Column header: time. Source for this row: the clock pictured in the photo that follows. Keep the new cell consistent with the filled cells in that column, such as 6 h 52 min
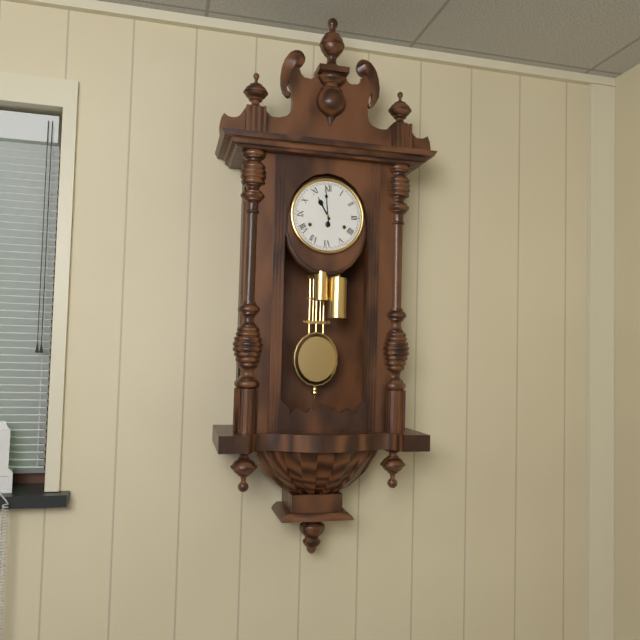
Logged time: 10 h 59 min
